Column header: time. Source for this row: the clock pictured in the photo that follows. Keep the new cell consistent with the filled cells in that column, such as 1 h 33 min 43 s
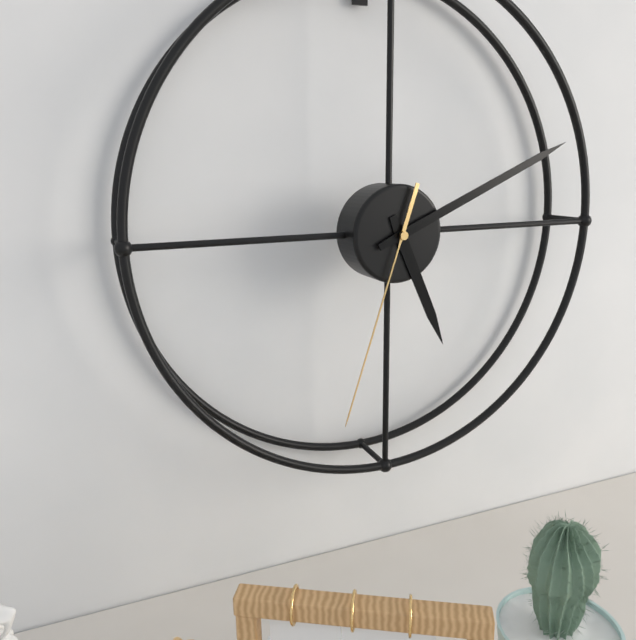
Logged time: 5 h 11 min 33 s
